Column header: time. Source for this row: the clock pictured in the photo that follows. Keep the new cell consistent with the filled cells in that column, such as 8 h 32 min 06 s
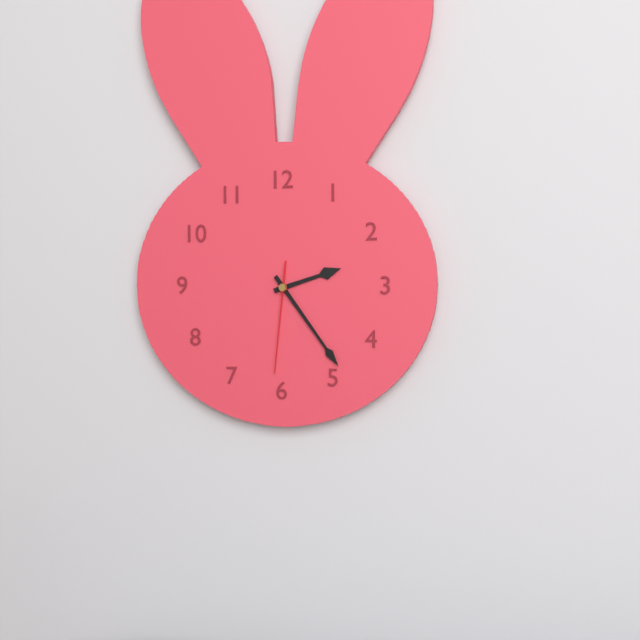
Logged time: 2 h 24 min 31 s
